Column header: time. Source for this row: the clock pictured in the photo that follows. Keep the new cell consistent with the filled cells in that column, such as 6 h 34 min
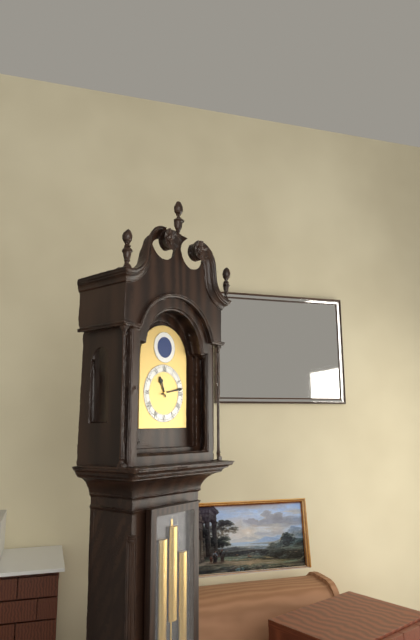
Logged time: 11 h 13 min
